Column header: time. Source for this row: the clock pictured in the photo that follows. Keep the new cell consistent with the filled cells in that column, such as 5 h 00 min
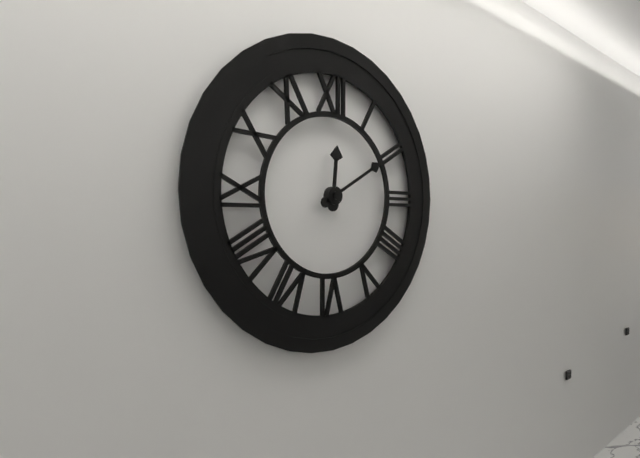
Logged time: 12 h 10 min
